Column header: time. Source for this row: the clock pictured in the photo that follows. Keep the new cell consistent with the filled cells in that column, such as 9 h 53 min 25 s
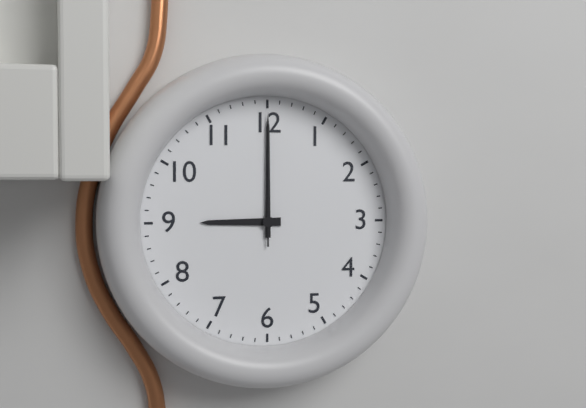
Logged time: 9 h 00 min 00 s
